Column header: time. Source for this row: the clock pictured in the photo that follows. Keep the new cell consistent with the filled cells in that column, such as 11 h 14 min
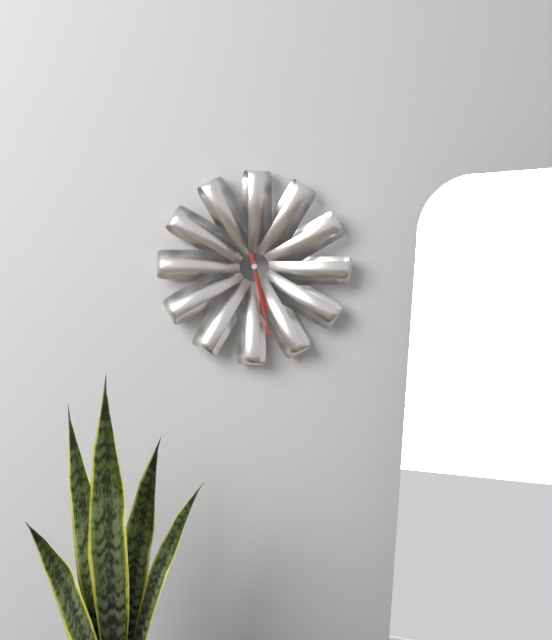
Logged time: 5 h 28 min
